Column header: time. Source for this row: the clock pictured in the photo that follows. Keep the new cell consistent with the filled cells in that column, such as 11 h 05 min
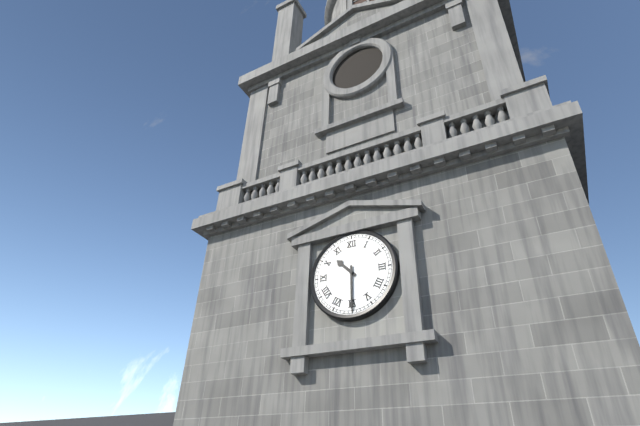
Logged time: 10 h 30 min
